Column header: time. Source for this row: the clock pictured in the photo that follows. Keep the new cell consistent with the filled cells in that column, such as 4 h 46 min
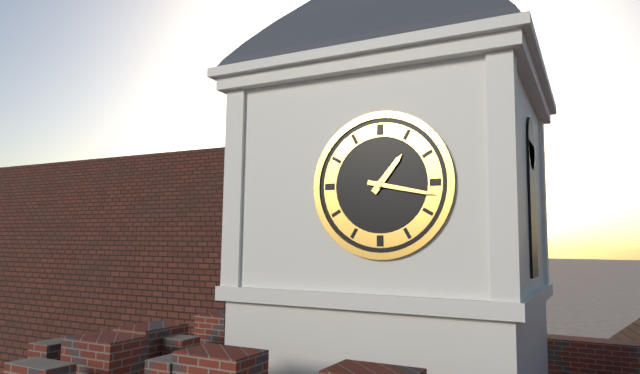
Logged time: 1 h 17 min
